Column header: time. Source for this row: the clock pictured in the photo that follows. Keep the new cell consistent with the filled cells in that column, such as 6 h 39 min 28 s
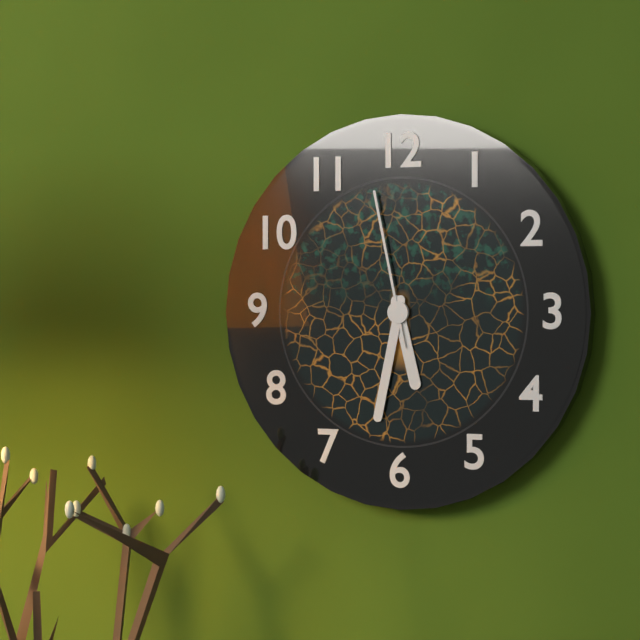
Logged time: 5 h 32 min 58 s
